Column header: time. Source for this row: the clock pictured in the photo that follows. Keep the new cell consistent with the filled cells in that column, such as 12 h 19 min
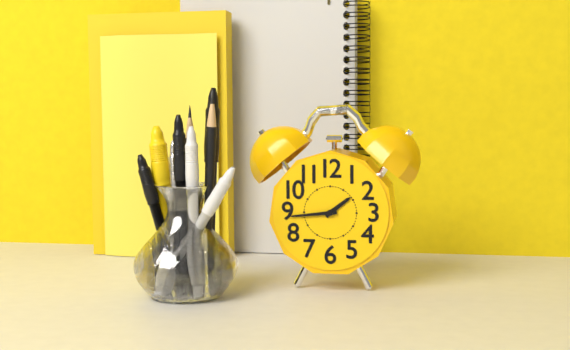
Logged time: 1 h 44 min
